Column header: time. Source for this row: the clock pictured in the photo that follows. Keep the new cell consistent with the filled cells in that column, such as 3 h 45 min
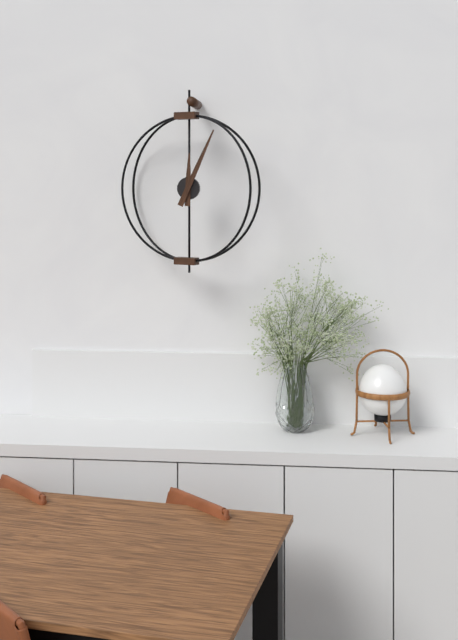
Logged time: 12 h 04 min
